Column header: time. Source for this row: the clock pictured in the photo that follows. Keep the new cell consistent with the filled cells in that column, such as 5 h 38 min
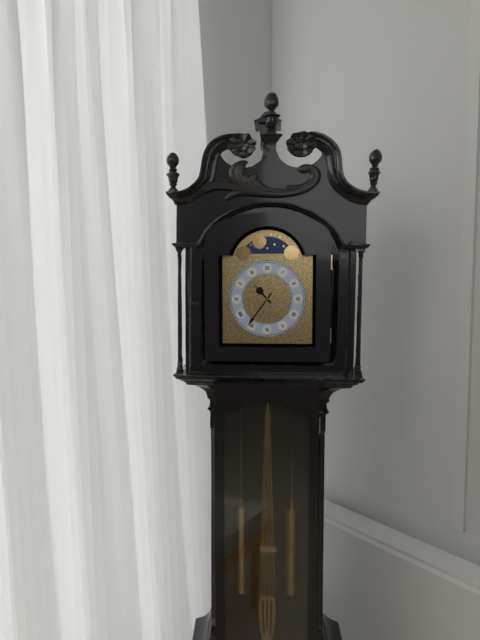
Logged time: 10 h 36 min
